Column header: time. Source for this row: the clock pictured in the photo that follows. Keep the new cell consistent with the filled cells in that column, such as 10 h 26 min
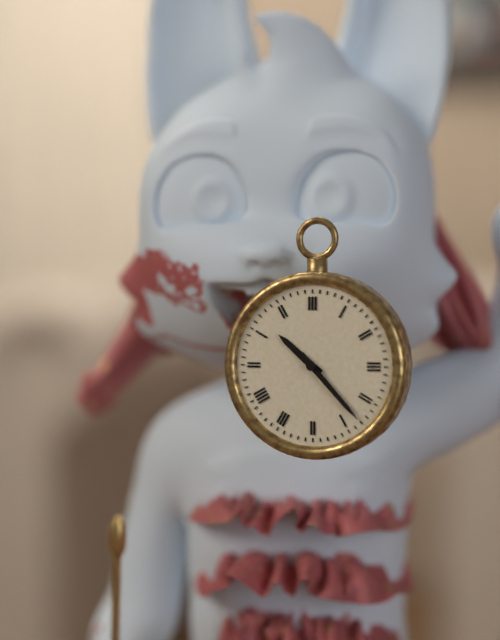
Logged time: 10 h 23 min
